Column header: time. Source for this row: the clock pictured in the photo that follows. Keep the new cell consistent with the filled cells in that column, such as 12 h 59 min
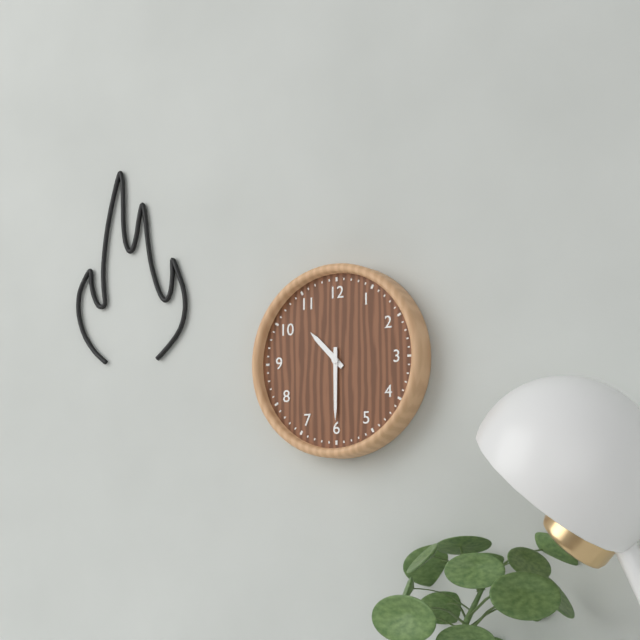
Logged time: 10 h 30 min
